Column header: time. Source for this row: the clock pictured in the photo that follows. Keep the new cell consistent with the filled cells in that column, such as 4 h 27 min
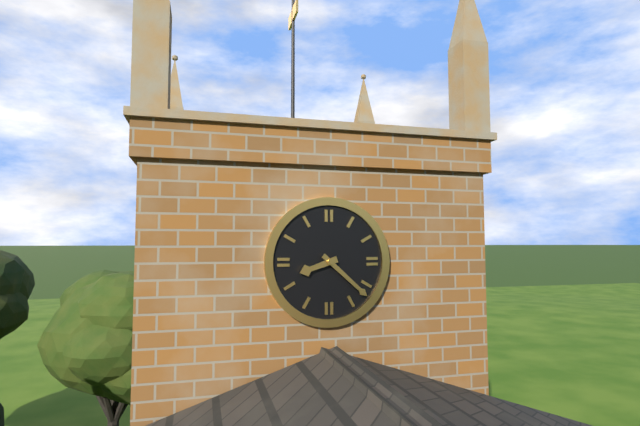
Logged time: 8 h 22 min
